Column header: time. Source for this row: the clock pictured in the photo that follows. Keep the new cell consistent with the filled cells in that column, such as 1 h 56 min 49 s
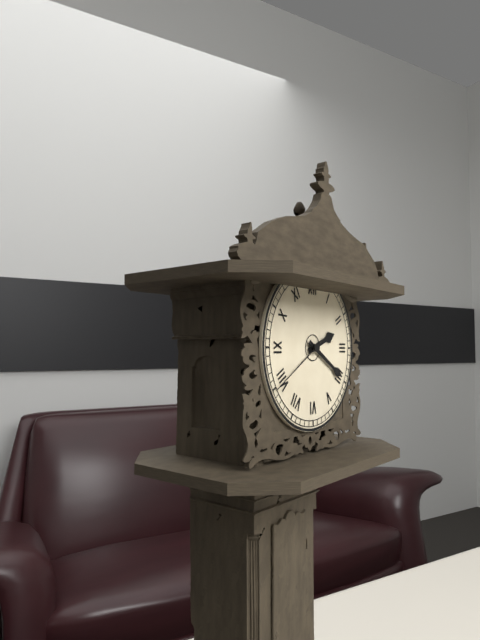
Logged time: 2 h 20 min 40 s
